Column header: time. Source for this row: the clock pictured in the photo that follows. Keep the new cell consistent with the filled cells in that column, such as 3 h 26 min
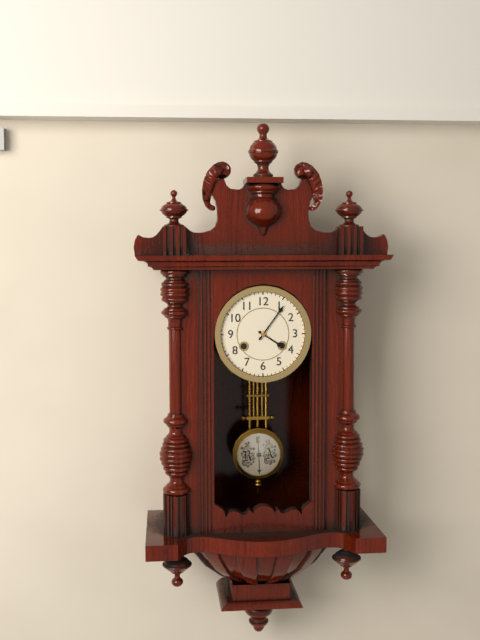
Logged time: 4 h 06 min
